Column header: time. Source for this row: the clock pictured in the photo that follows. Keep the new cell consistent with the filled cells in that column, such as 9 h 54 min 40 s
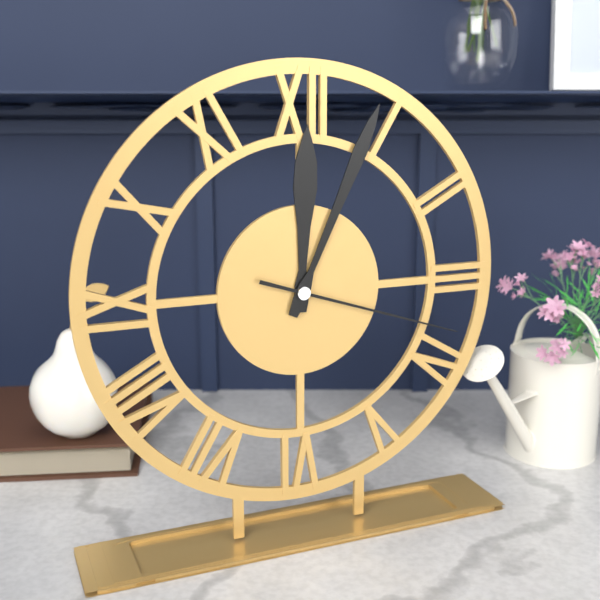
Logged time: 12 h 04 min 18 s
